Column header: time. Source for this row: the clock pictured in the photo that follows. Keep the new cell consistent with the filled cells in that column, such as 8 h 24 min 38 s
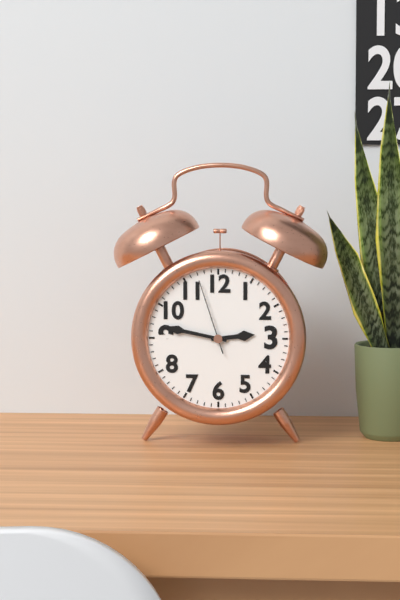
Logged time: 2 h 47 min 57 s
